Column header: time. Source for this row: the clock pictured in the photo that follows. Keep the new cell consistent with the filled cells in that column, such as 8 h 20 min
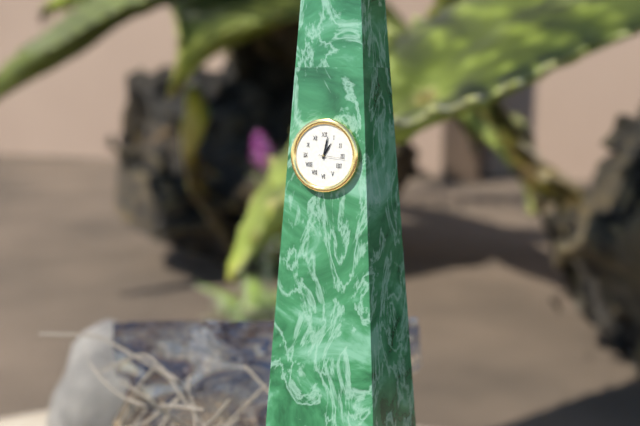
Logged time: 1 h 02 min
